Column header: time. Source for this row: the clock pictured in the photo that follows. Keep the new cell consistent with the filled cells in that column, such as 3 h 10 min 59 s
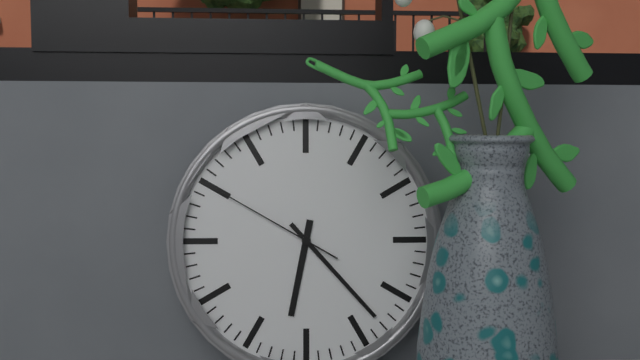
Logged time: 6 h 23 min 50 s
